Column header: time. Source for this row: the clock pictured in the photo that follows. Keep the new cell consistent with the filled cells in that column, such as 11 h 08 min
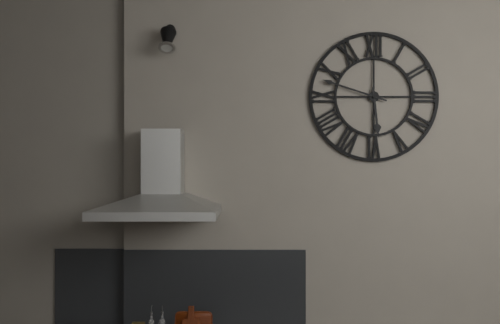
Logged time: 5 h 48 min
